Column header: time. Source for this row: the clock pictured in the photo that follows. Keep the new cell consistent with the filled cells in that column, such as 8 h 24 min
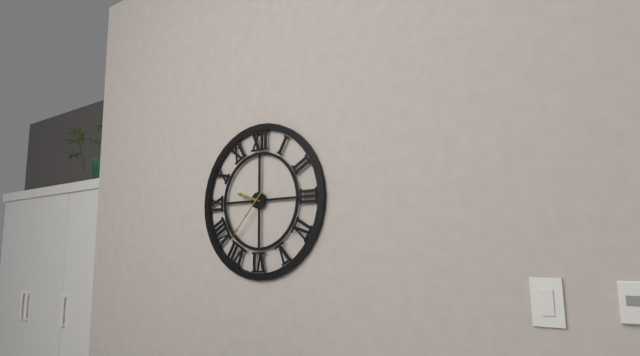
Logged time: 9 h 37 min
